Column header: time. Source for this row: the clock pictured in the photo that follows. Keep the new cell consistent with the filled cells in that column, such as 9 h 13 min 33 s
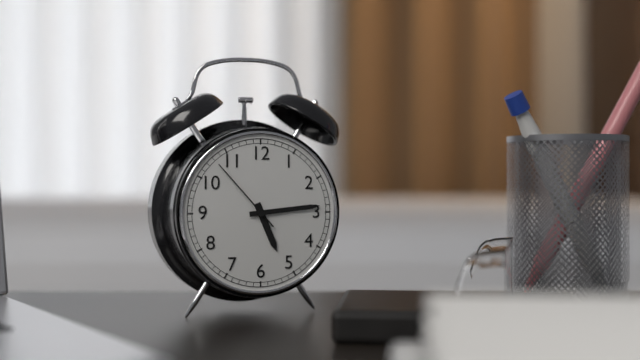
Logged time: 5 h 14 min 53 s
